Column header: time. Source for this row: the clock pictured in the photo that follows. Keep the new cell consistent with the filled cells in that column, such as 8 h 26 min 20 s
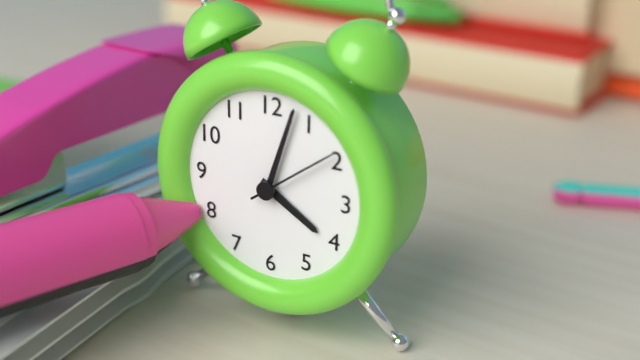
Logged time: 4 h 03 min 09 s
